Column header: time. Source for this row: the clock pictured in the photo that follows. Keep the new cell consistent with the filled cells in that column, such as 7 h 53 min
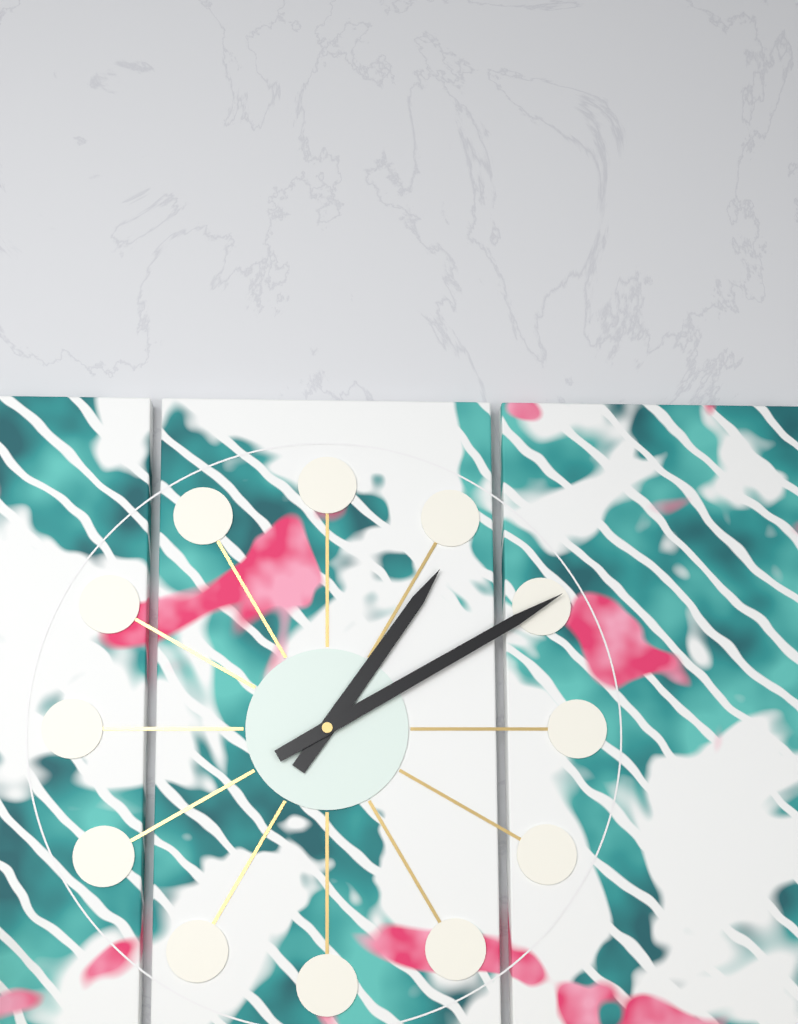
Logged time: 1 h 10 min
